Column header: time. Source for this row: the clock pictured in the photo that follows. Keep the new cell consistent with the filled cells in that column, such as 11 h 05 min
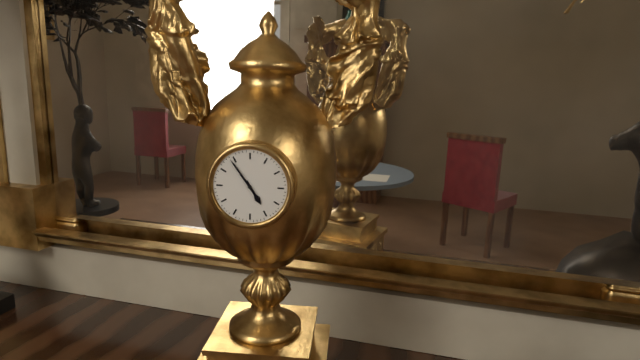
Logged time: 4 h 54 min
